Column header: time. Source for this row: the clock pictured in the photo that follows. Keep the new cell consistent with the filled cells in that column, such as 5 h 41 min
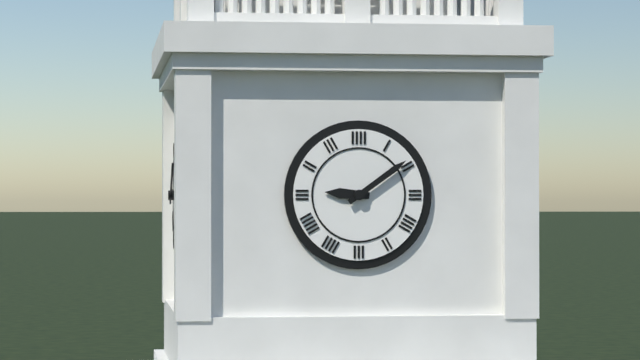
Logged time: 9 h 09 min
